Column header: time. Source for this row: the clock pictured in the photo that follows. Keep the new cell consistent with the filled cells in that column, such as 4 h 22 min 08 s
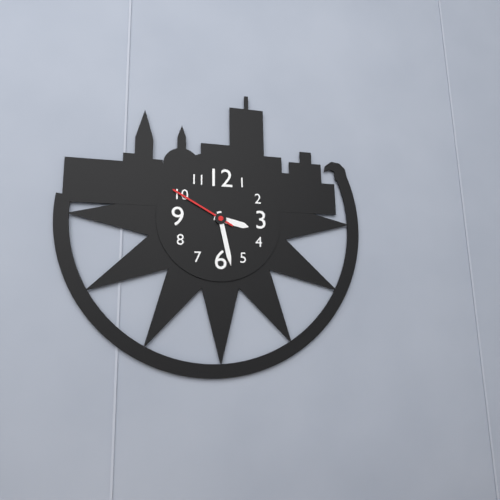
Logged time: 3 h 28 min 50 s
